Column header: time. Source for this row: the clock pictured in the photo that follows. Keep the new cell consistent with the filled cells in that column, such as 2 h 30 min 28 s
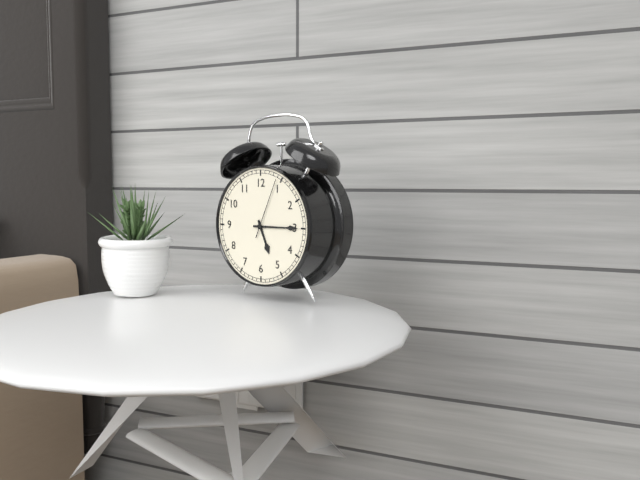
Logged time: 5 h 15 min 04 s
